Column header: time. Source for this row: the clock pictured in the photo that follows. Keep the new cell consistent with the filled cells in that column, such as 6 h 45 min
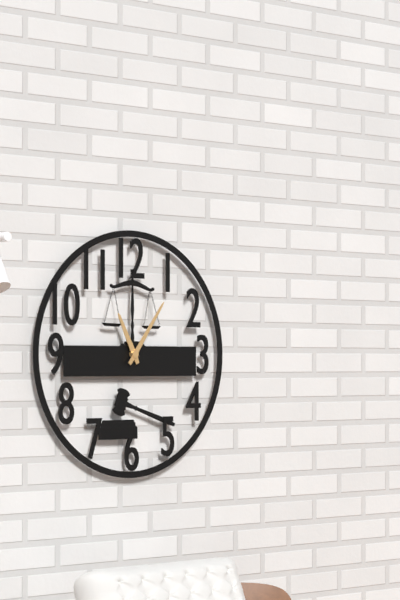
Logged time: 11 h 06 min
